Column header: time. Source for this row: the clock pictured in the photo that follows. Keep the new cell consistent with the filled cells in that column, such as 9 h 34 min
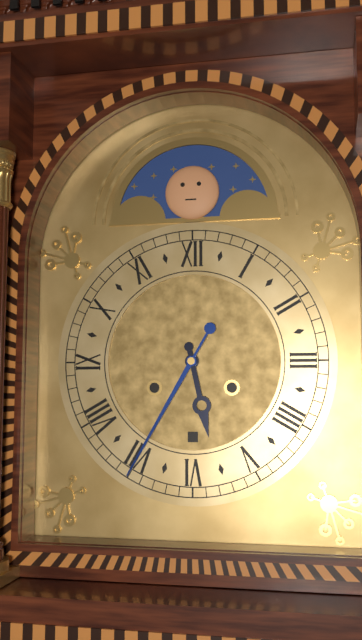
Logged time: 5 h 35 min
